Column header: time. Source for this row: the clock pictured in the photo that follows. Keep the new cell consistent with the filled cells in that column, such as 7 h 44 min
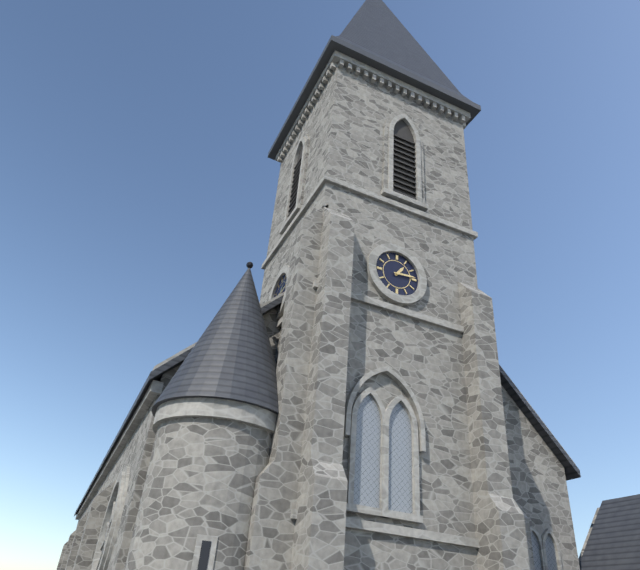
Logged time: 1 h 14 min
